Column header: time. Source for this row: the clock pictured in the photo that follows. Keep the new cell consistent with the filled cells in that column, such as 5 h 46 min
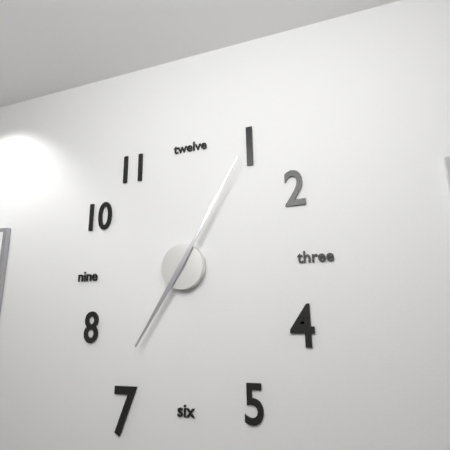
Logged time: 7 h 05 min
